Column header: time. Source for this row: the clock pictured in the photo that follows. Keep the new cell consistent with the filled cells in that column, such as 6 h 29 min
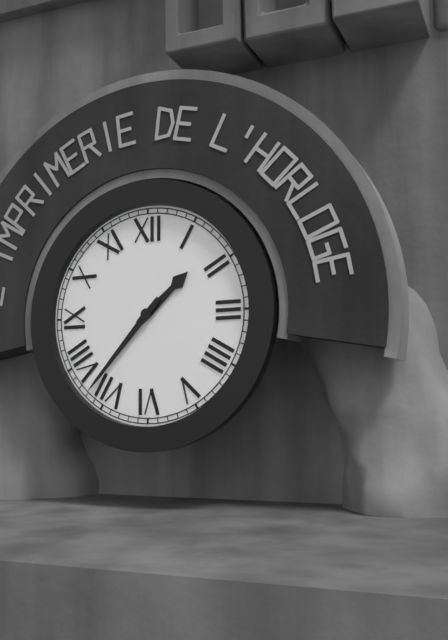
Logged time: 1 h 37 min
